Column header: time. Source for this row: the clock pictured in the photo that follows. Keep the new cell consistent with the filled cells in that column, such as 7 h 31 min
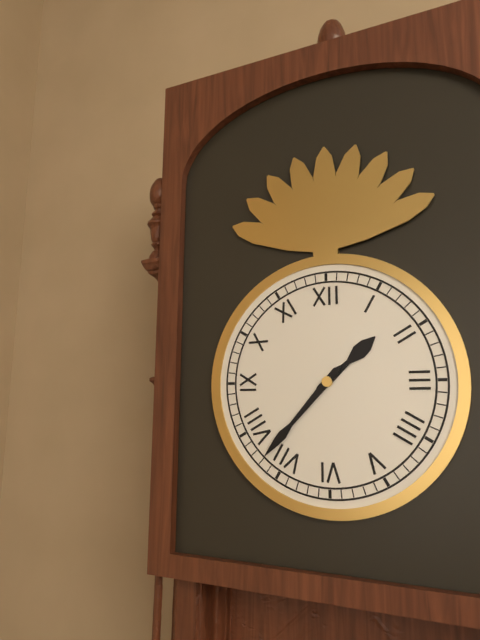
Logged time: 1 h 37 min
